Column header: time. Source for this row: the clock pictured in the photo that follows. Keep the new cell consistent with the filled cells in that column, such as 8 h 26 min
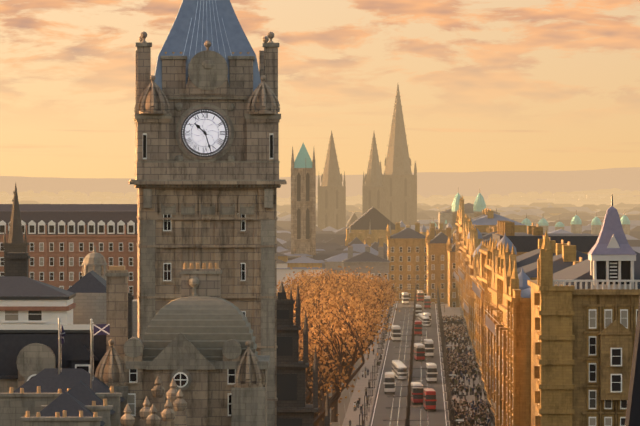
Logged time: 10 h 27 min
